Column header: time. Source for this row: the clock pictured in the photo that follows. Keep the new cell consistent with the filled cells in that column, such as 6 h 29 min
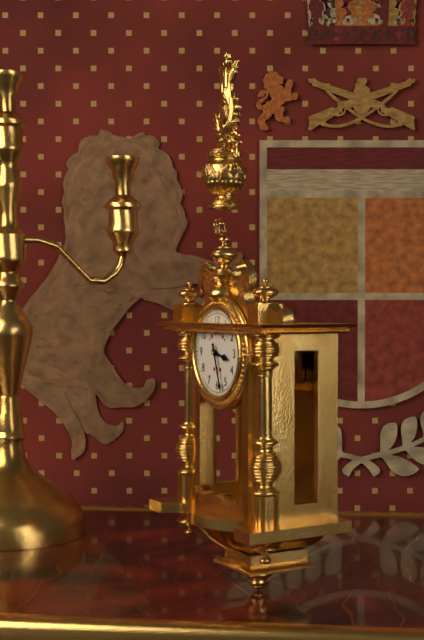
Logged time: 3 h 27 min
